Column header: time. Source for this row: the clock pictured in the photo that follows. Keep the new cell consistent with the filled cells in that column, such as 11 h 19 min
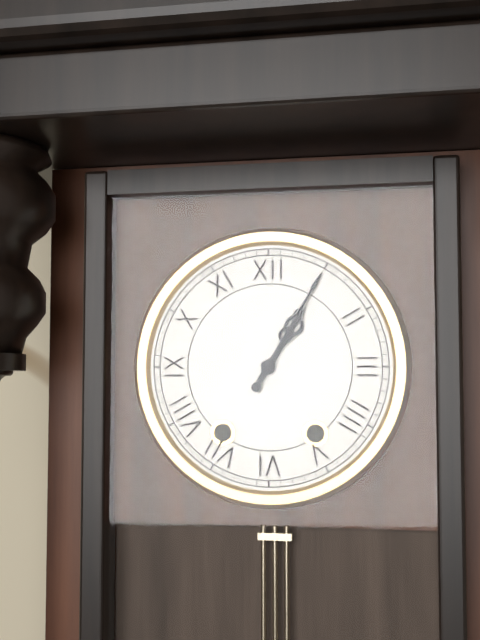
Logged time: 1 h 05 min
